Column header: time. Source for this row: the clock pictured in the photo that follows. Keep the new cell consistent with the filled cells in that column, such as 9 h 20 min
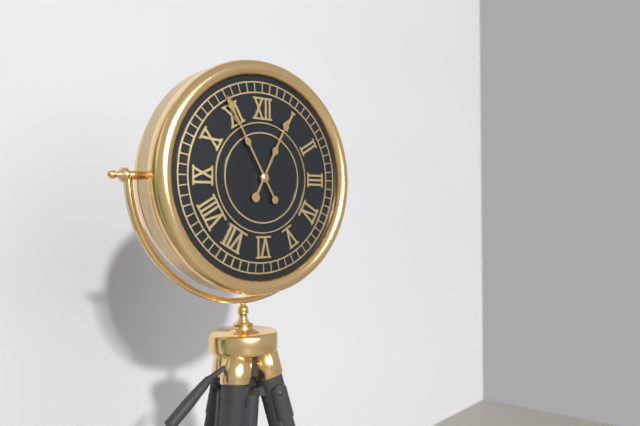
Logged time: 12 h 55 min
